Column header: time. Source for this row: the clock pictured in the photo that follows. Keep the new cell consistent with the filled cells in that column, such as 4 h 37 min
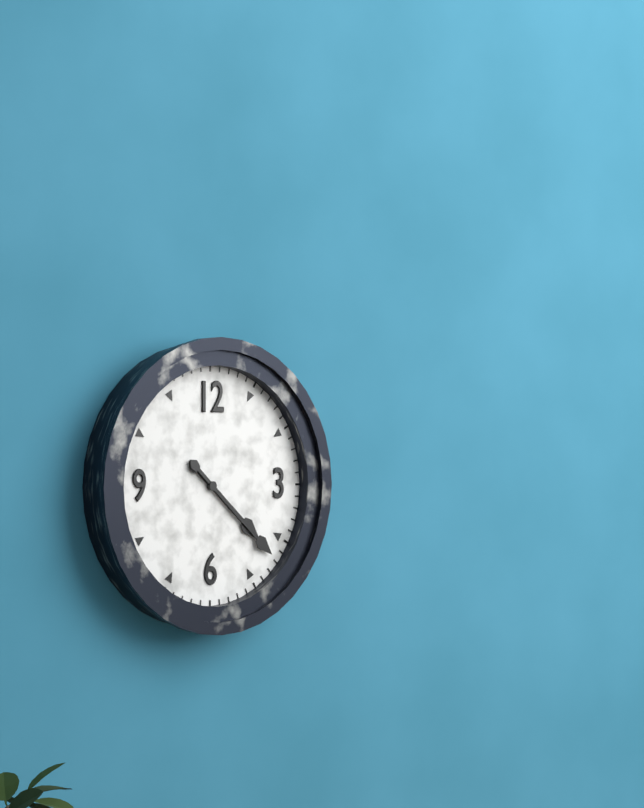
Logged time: 4 h 22 min
